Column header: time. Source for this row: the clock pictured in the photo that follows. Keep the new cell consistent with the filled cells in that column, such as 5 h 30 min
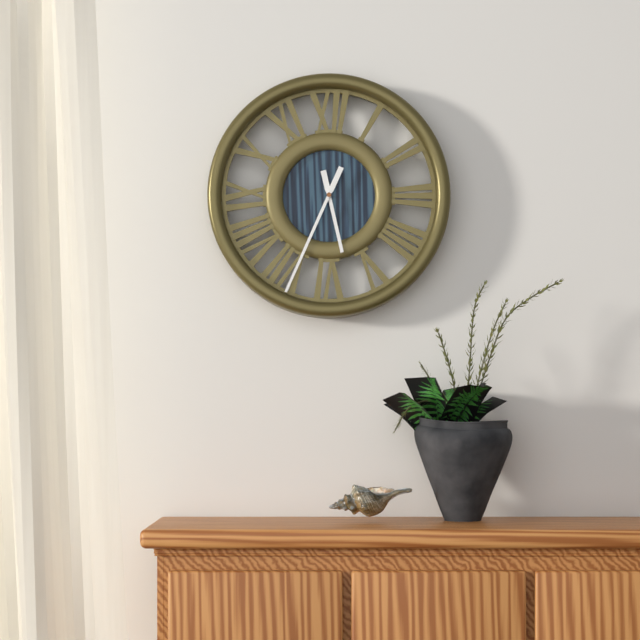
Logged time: 5 h 34 min
